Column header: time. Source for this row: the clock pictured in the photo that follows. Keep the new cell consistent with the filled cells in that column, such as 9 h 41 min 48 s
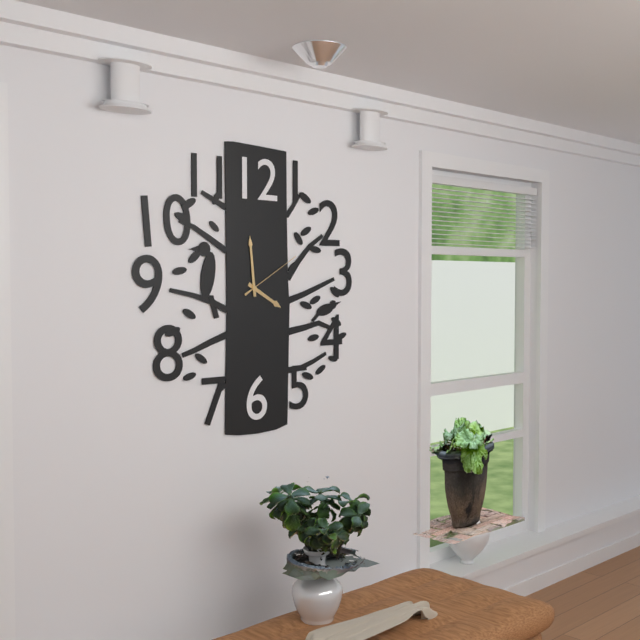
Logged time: 3 h 59 min 10 s
